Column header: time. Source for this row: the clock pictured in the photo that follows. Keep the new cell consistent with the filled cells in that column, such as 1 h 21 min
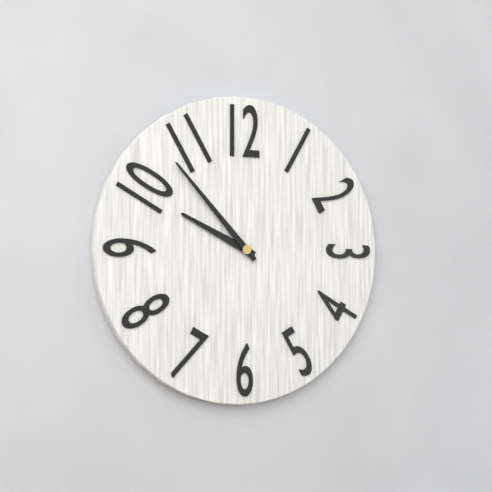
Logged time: 9 h 53 min
